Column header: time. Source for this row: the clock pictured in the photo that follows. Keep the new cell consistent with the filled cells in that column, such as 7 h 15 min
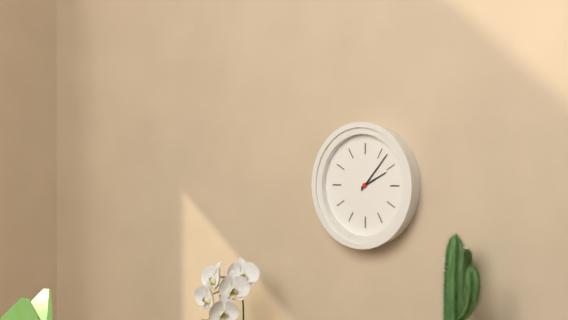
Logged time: 2 h 07 min
